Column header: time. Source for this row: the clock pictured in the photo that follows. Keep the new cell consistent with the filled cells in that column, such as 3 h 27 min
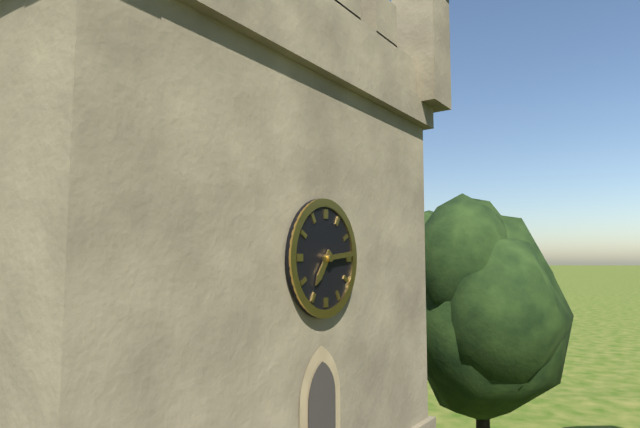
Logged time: 7 h 14 min
